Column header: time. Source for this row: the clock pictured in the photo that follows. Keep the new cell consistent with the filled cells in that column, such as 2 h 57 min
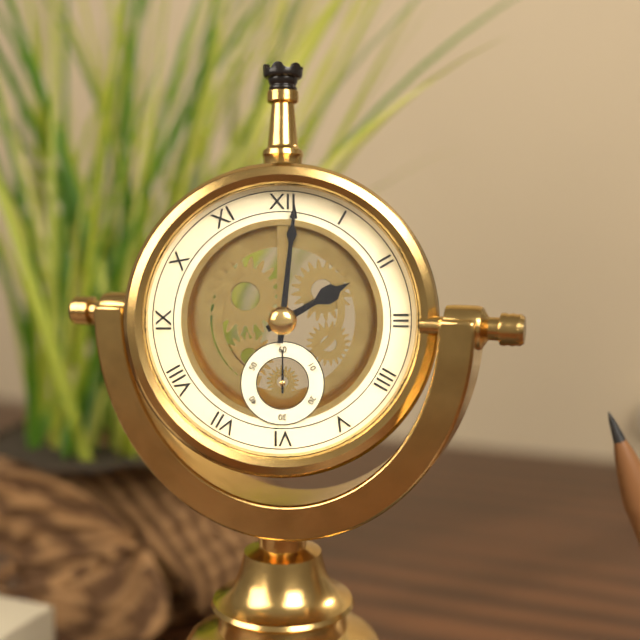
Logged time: 2 h 01 min
